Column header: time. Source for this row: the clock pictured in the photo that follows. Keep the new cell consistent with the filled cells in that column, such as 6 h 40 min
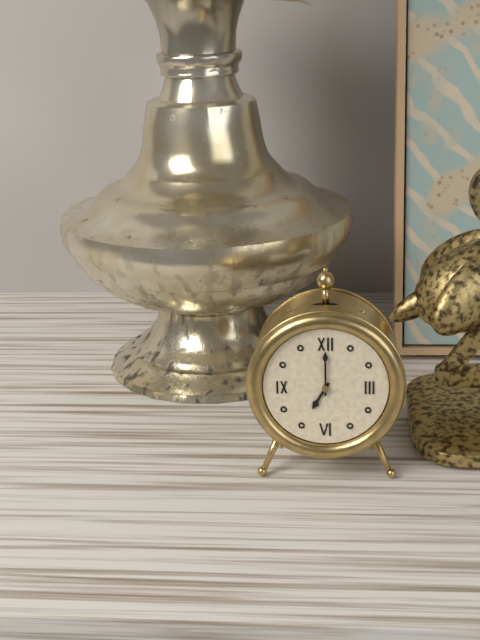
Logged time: 7 h 00 min
